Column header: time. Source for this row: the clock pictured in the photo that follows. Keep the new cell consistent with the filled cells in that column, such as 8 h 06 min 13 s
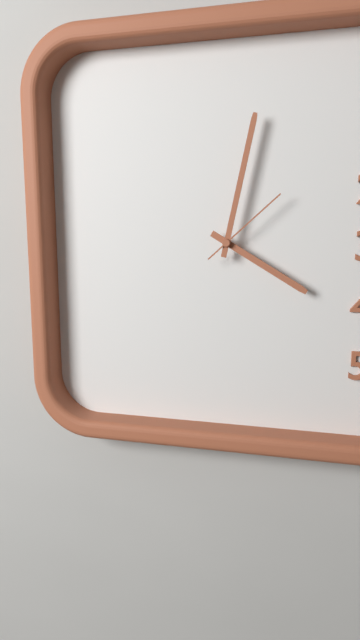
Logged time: 4 h 02 min 08 s
